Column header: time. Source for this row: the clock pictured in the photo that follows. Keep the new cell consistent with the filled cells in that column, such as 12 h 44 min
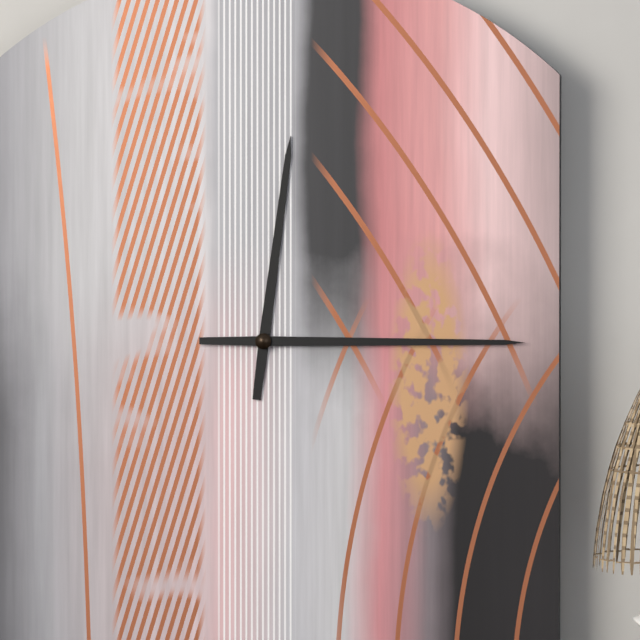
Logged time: 12 h 15 min
